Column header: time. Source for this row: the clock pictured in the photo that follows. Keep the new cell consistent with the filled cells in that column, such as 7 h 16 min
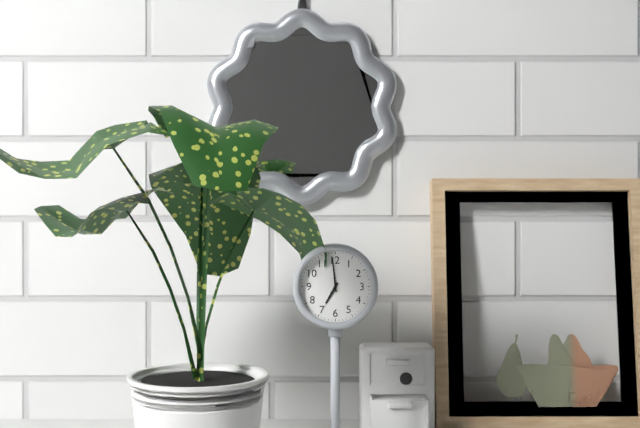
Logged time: 6 h 59 min
